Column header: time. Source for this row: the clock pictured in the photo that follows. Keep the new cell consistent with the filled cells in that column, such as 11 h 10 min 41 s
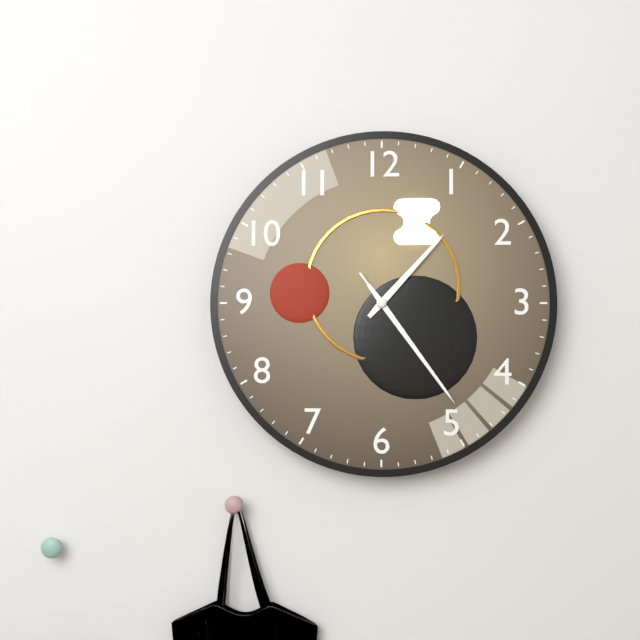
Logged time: 1 h 24 min 24 s
